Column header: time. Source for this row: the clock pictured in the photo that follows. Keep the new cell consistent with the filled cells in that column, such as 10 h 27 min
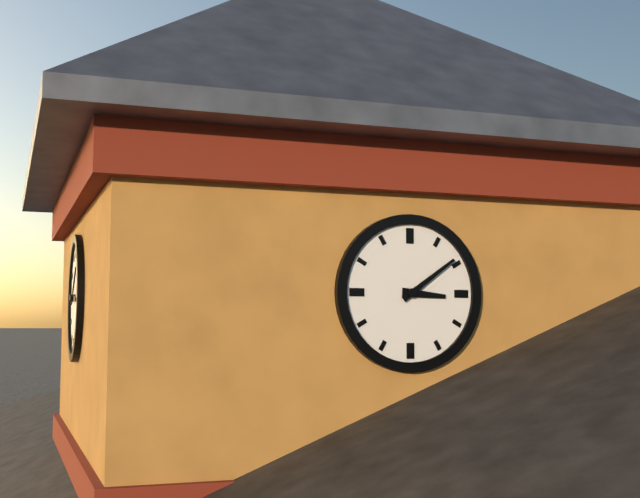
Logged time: 3 h 09 min
